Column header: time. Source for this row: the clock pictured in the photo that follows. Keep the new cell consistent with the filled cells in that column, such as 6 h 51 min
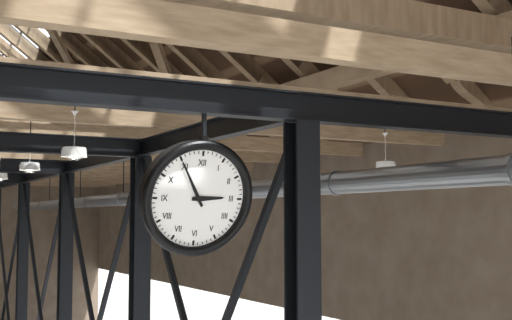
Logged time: 2 h 55 min
